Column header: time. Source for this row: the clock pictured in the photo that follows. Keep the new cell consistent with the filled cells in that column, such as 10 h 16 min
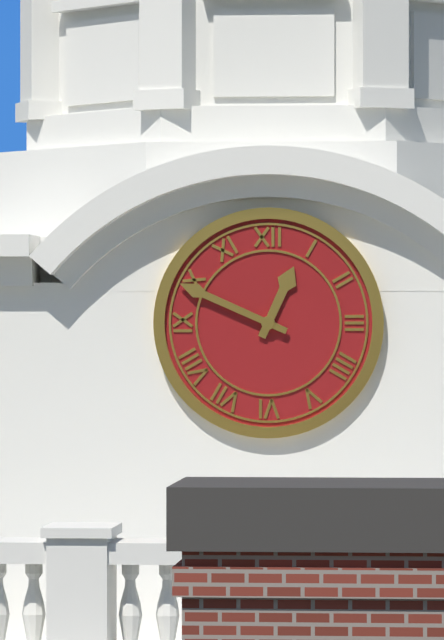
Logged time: 12 h 49 min
